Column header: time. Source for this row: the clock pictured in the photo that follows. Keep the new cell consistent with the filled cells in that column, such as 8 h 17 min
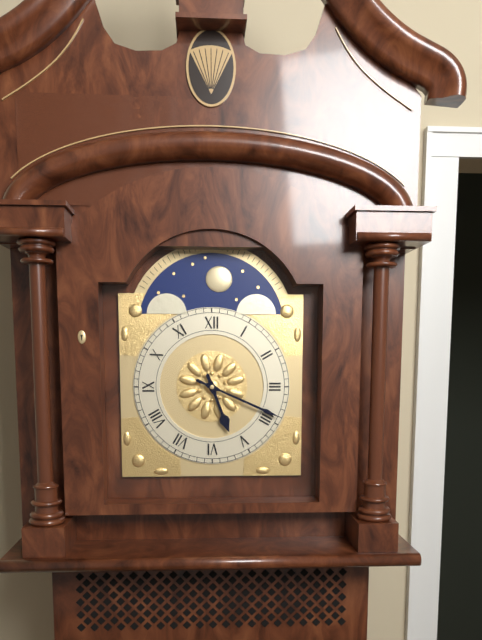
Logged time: 5 h 19 min
